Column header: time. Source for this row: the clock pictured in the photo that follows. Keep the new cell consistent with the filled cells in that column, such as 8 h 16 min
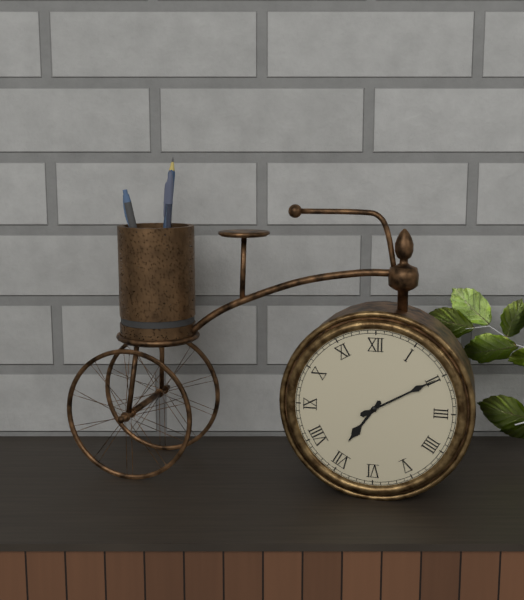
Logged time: 7 h 10 min
